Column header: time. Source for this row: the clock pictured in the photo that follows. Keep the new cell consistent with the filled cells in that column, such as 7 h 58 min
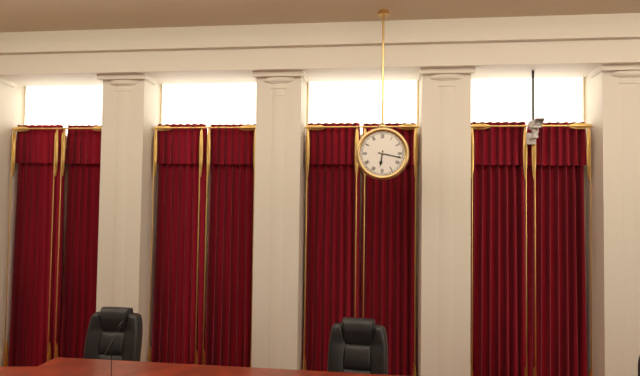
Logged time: 6 h 17 min
